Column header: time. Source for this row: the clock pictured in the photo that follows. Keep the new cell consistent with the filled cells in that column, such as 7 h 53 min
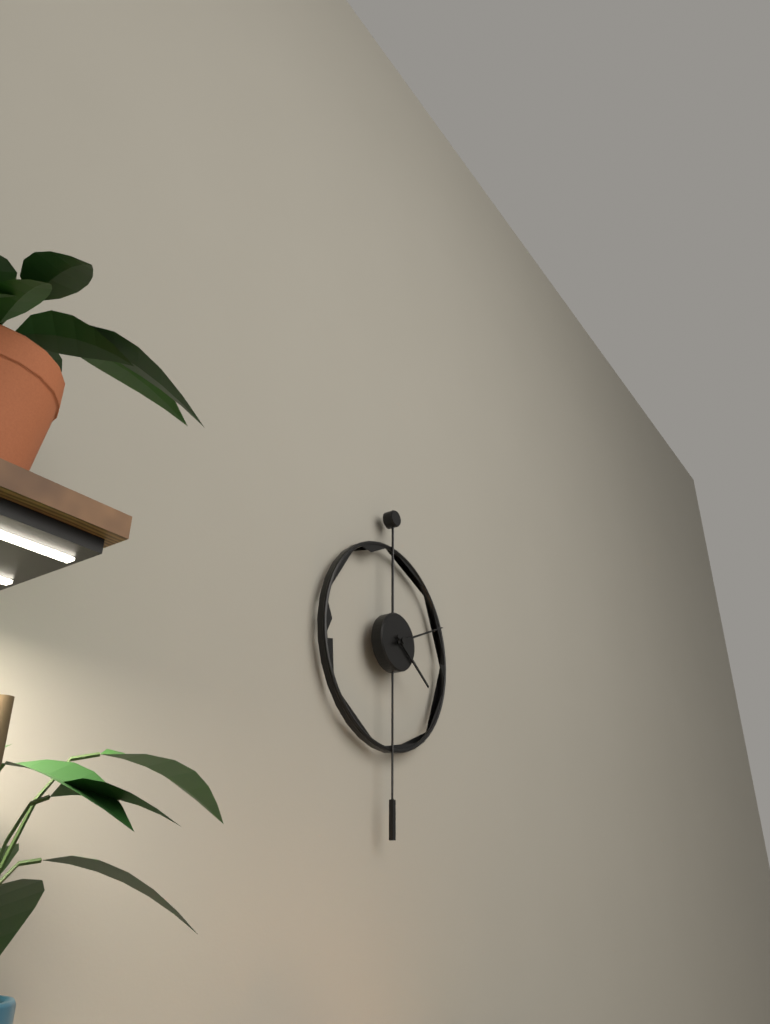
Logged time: 4 h 11 min
